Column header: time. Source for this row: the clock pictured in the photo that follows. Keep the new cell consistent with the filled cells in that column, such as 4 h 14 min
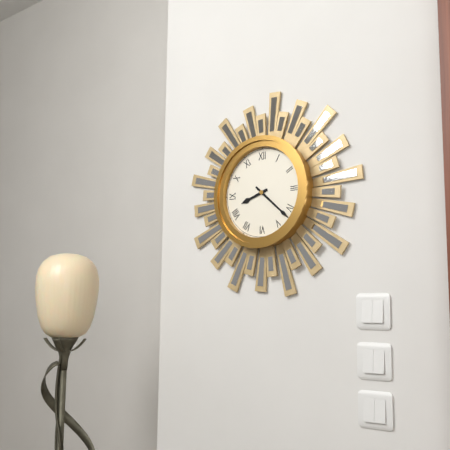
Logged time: 8 h 22 min
